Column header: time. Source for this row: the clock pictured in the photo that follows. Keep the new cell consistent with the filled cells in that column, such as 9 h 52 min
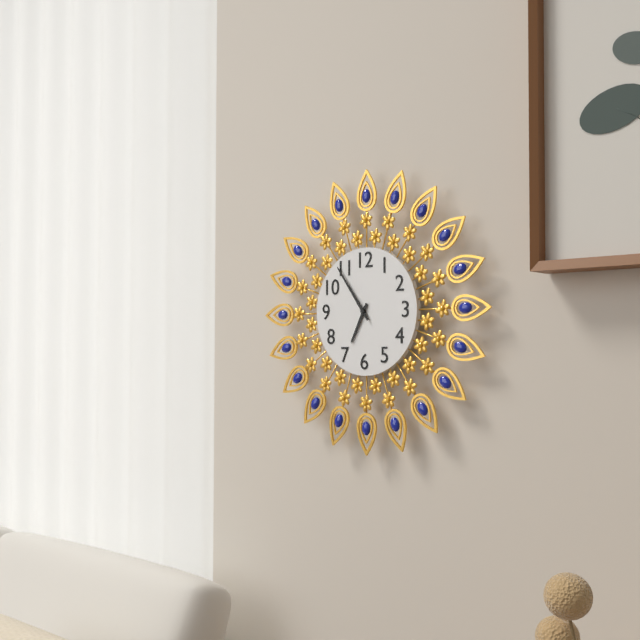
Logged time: 6 h 54 min
